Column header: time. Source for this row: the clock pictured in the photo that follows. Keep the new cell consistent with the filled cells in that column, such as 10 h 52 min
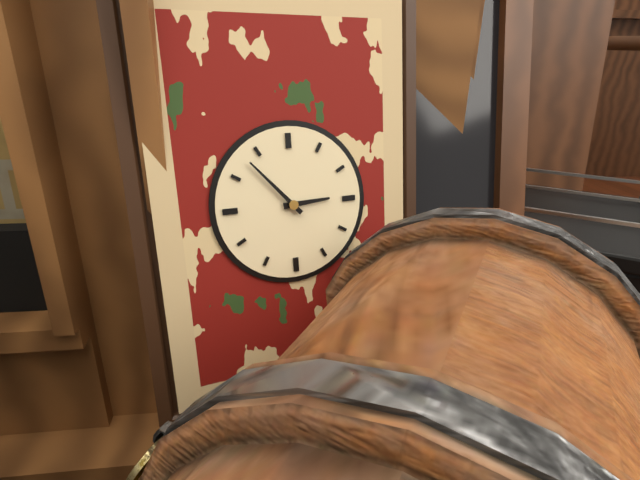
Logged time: 2 h 53 min
